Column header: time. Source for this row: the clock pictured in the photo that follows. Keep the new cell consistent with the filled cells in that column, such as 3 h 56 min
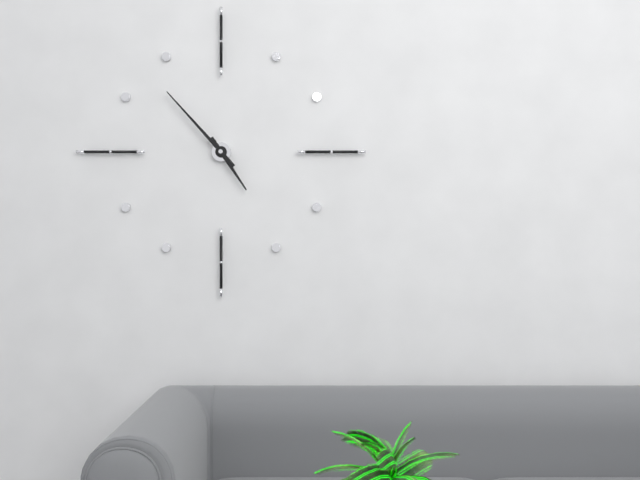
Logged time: 4 h 53 min
